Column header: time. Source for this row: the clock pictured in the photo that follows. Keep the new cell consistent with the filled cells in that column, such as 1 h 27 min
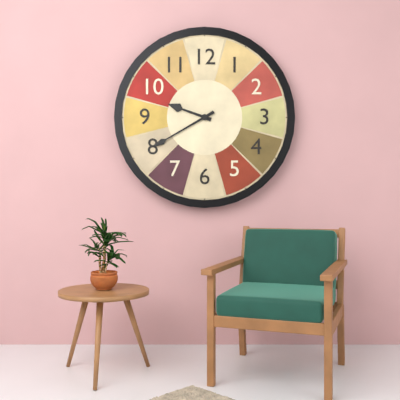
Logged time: 9 h 40 min
